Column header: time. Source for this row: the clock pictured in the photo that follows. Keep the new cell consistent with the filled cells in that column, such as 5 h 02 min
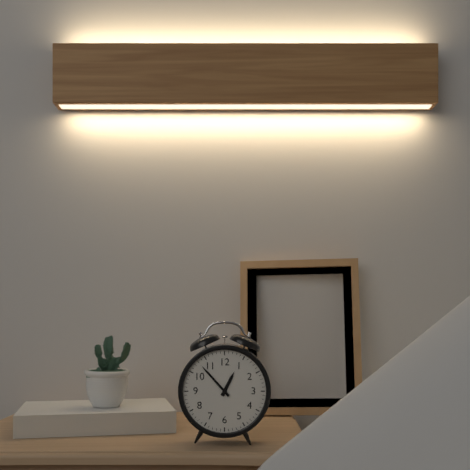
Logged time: 12 h 53 min
